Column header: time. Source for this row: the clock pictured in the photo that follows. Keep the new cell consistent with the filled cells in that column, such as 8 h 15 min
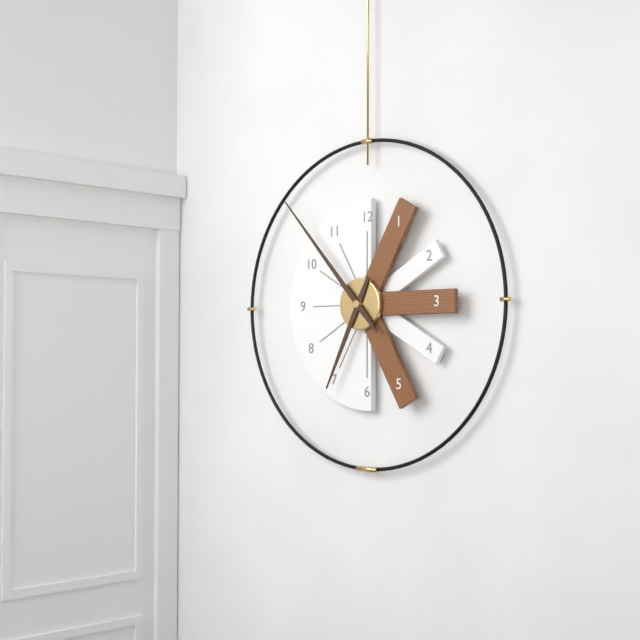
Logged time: 6 h 53 min
